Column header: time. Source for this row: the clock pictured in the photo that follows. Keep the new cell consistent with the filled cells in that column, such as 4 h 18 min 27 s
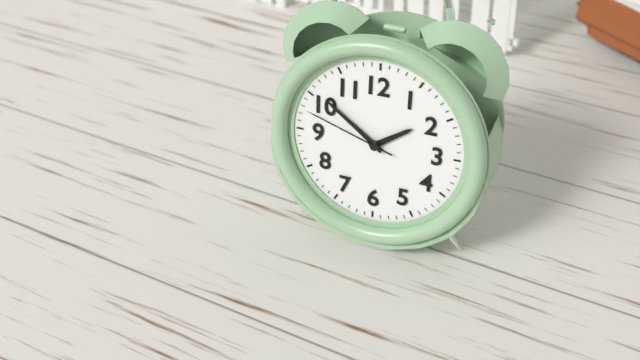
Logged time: 1 h 51 min 48 s
